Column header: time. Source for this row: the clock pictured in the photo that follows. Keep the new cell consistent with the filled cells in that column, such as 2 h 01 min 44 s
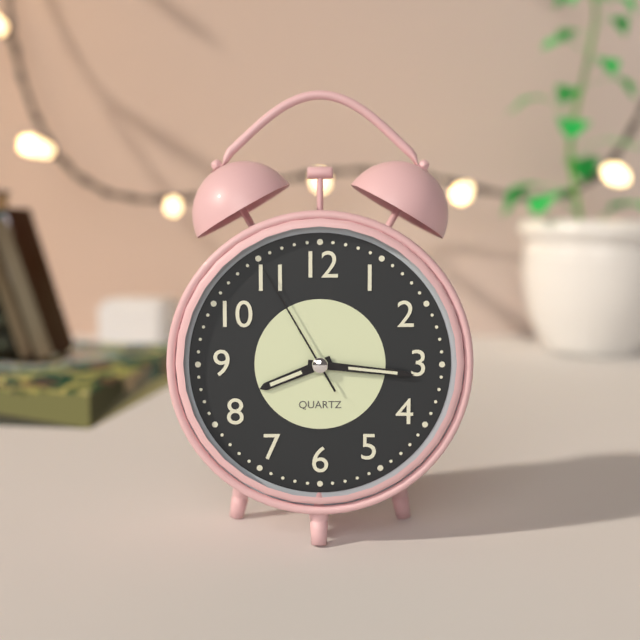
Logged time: 8 h 16 min 55 s
